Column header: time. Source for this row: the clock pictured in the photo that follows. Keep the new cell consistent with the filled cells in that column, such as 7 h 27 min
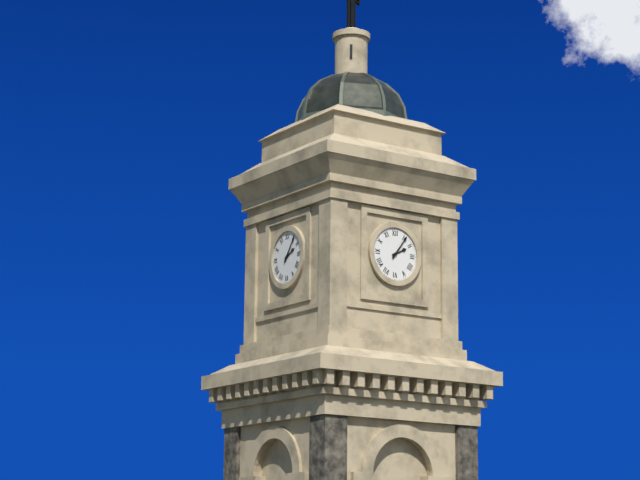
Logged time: 2 h 06 min
